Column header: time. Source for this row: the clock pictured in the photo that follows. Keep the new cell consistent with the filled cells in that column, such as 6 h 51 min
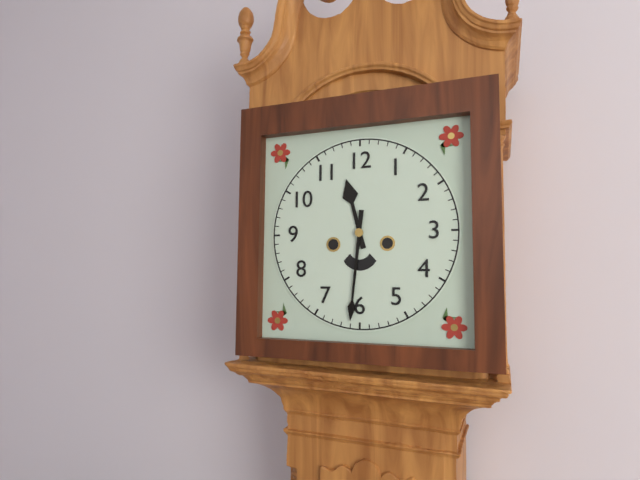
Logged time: 11 h 31 min
